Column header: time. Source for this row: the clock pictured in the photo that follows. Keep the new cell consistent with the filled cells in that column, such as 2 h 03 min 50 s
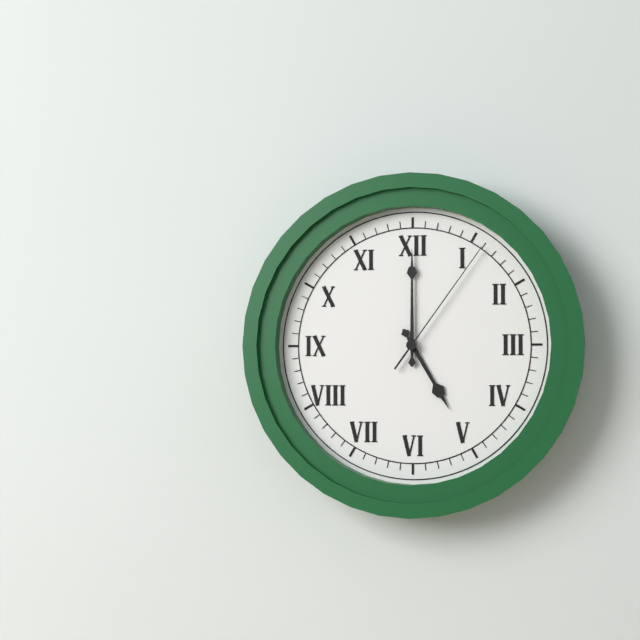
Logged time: 5 h 00 min 06 s
